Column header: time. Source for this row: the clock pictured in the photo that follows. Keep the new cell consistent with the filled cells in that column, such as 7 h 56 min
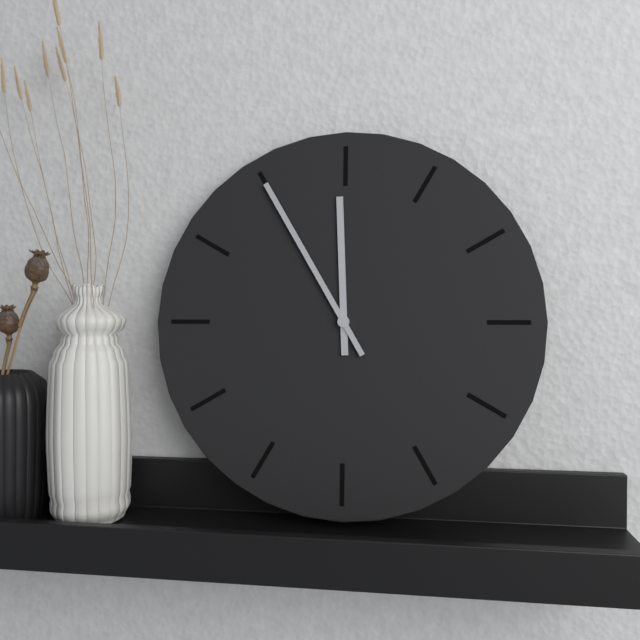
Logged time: 11 h 55 min
